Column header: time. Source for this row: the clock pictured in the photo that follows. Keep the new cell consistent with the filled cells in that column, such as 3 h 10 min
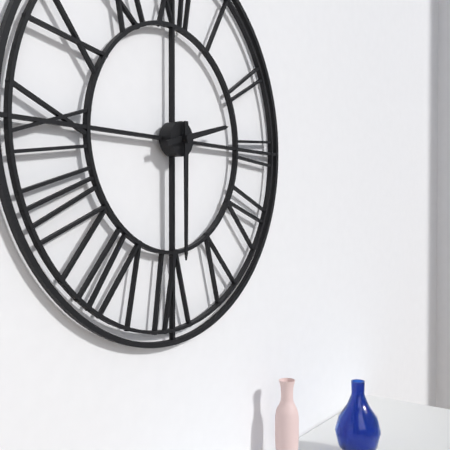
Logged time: 2 h 30 min
